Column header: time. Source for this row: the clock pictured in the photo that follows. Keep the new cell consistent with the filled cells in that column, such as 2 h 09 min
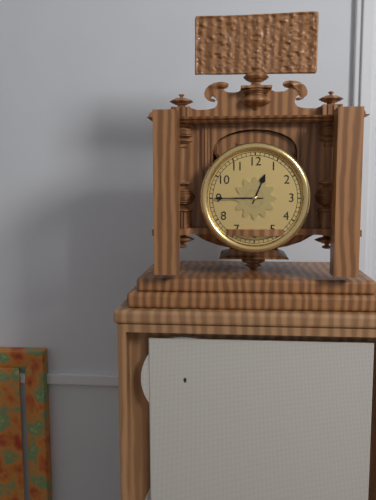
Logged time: 12 h 45 min
